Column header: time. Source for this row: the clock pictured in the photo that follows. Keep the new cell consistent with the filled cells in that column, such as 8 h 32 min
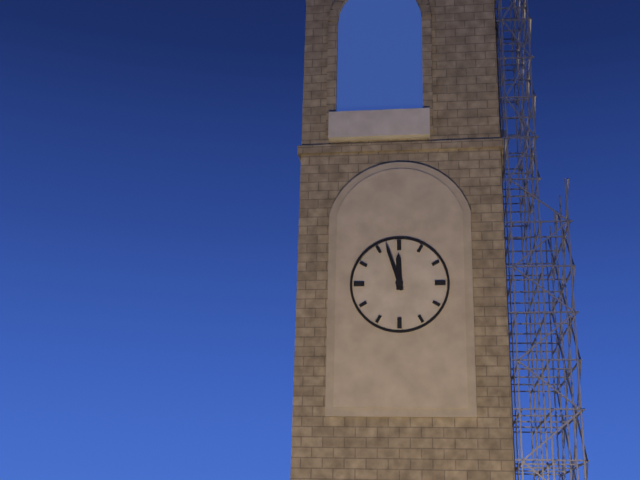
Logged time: 11 h 57 min
